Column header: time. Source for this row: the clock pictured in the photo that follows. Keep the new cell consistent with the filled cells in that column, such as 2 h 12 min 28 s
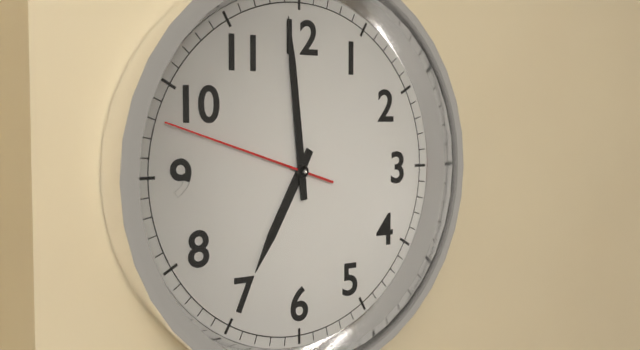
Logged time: 6 h 59 min 48 s
